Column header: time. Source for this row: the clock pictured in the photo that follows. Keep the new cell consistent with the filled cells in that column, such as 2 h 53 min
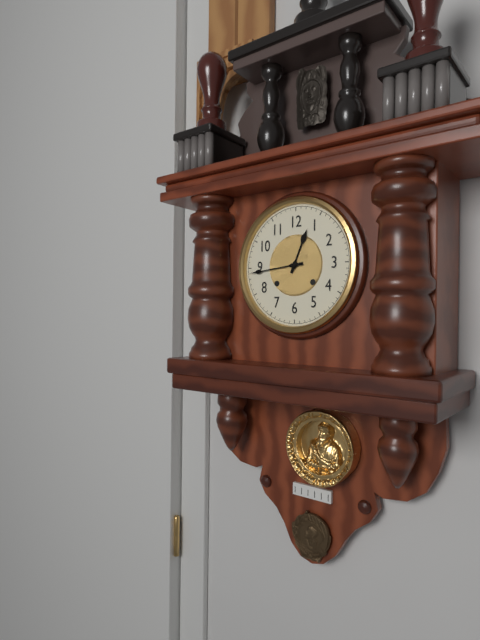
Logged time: 12 h 44 min
